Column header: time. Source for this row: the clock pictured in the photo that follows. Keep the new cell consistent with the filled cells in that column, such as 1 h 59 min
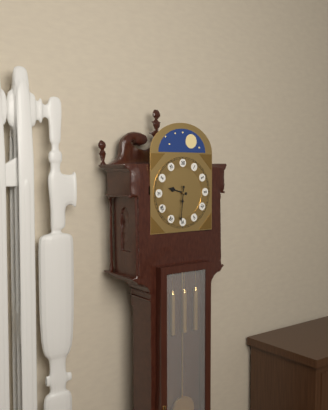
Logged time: 9 h 31 min
